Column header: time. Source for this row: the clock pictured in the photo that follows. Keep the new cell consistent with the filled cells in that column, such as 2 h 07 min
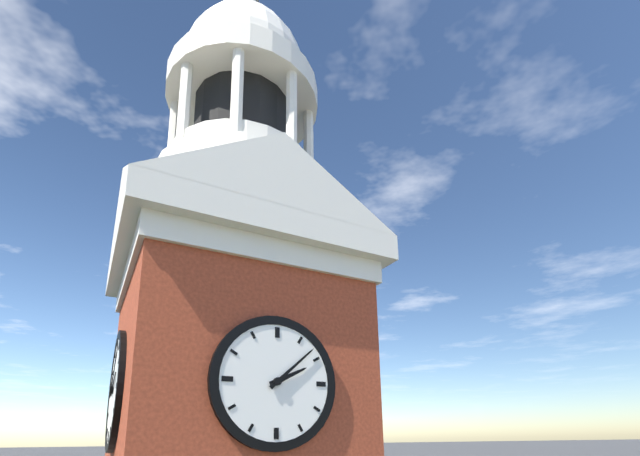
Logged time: 2 h 08 min
